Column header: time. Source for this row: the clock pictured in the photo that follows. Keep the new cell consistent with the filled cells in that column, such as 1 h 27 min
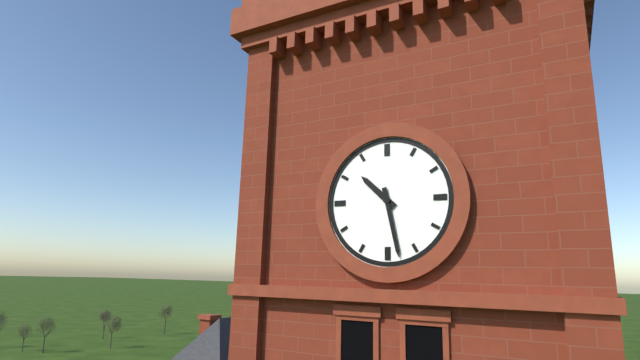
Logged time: 10 h 28 min
